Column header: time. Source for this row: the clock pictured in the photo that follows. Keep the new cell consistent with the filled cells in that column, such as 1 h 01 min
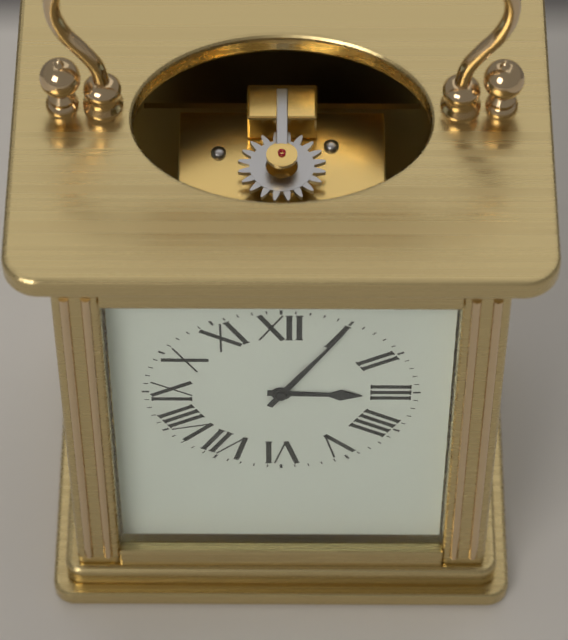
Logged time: 3 h 05 min
